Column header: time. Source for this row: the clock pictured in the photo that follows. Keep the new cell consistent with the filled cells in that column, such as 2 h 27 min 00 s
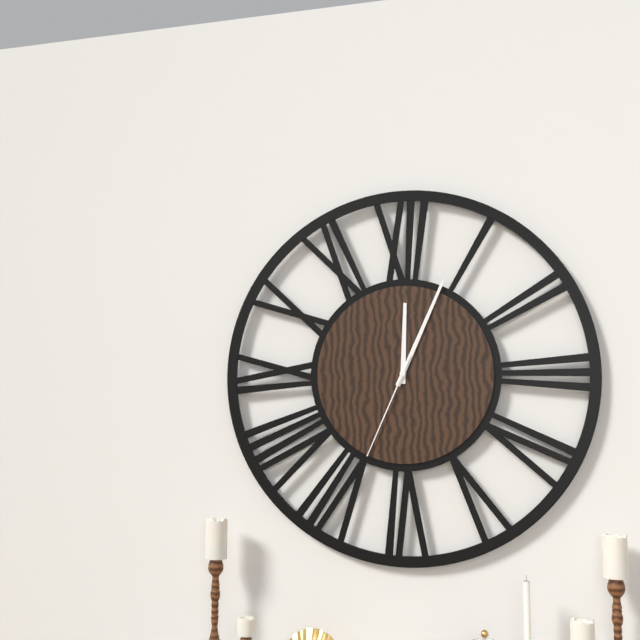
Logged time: 12 h 04 min 34 s
